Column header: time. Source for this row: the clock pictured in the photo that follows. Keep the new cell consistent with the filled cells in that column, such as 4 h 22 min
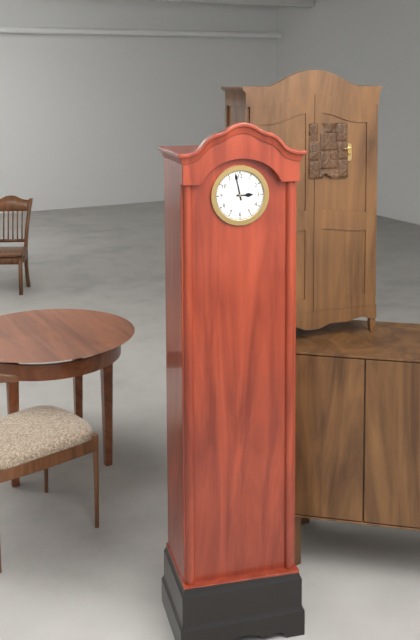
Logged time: 2 h 58 min
